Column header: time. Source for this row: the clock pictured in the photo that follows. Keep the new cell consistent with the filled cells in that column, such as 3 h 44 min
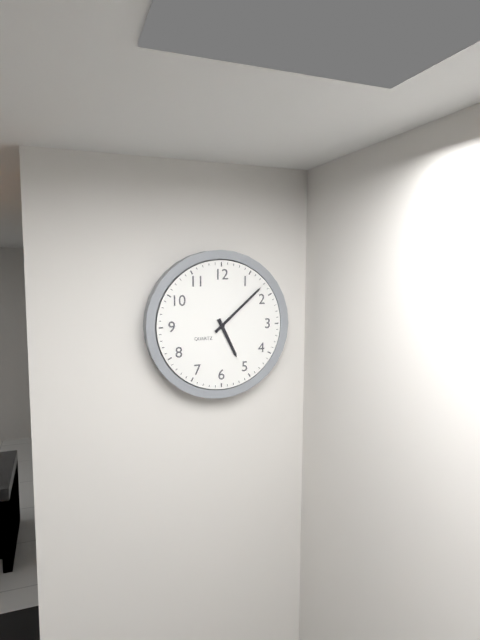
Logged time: 5 h 08 min
